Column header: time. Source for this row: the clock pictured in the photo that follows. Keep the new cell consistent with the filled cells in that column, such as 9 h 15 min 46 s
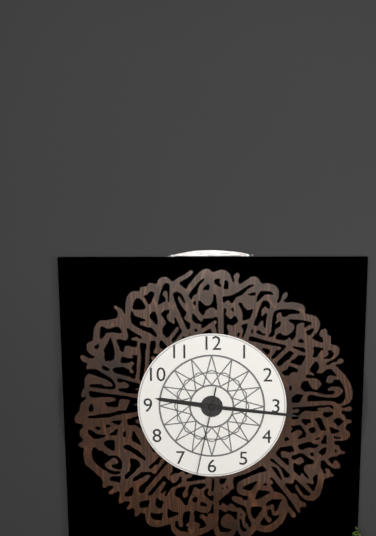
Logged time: 9 h 16 min 32 s
